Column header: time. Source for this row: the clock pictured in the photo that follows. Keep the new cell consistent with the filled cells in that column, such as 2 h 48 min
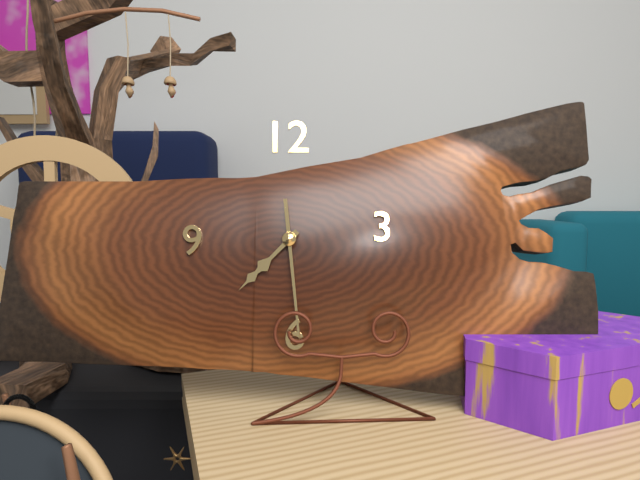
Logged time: 7 h 29 min
